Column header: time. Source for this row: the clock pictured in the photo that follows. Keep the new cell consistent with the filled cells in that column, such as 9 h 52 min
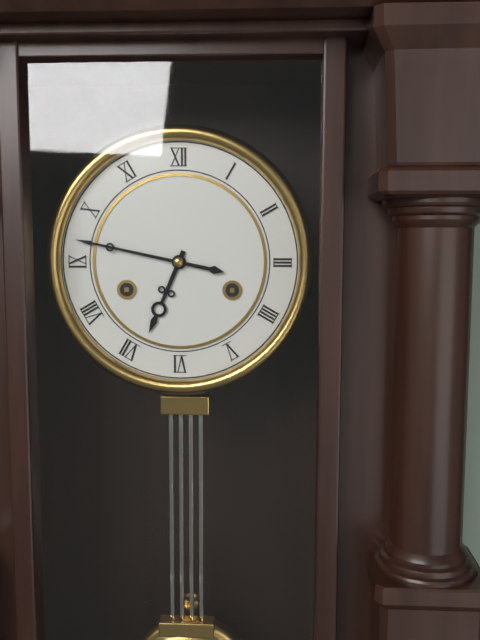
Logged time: 6 h 47 min
